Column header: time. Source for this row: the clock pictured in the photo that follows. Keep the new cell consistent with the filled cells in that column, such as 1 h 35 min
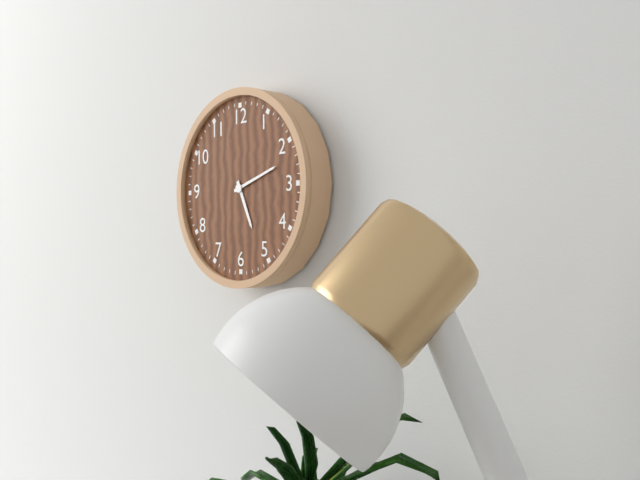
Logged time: 5 h 12 min
